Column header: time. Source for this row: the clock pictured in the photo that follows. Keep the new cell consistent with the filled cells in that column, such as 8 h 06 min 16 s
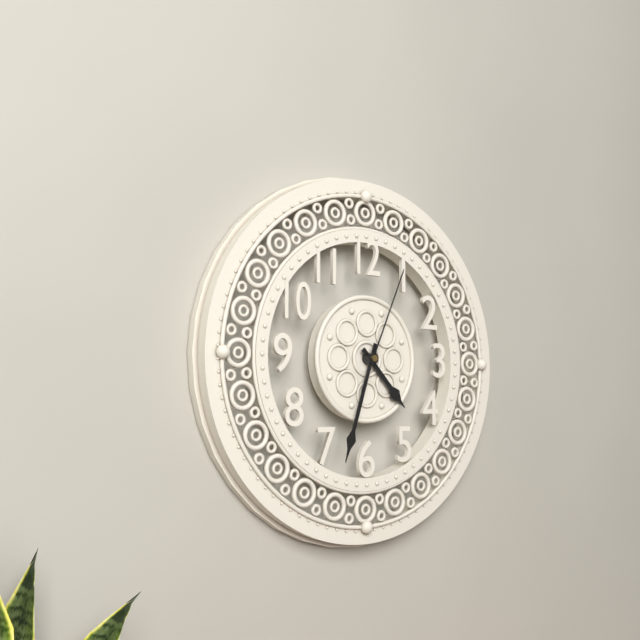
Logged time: 4 h 33 min 04 s
